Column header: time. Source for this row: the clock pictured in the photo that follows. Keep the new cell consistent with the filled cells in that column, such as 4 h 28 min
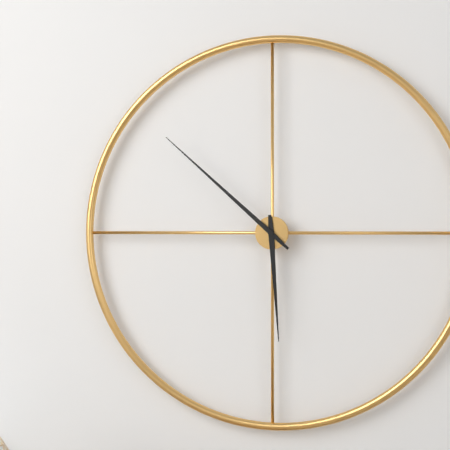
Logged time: 5 h 52 min
